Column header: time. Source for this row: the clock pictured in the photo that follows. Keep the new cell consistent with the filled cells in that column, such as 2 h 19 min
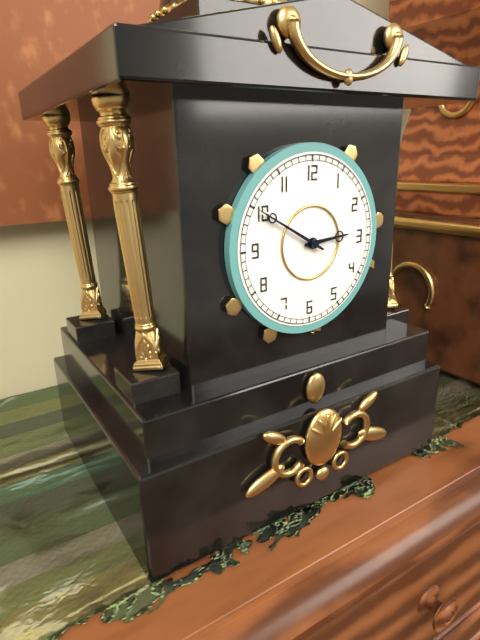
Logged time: 2 h 50 min
